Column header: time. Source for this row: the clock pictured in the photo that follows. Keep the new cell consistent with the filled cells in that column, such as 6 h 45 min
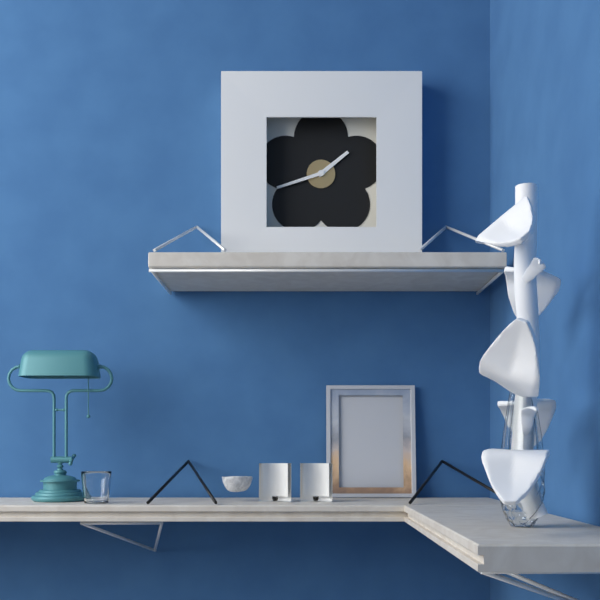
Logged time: 1 h 42 min
